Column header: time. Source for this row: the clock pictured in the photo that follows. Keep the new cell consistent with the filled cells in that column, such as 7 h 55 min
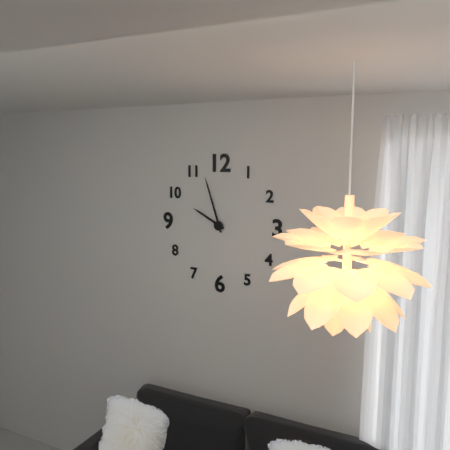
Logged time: 9 h 57 min
